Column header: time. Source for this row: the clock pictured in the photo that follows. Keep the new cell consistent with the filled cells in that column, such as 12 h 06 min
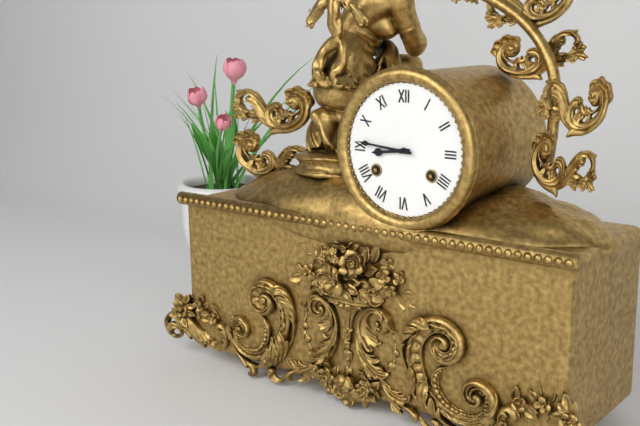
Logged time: 8 h 46 min
